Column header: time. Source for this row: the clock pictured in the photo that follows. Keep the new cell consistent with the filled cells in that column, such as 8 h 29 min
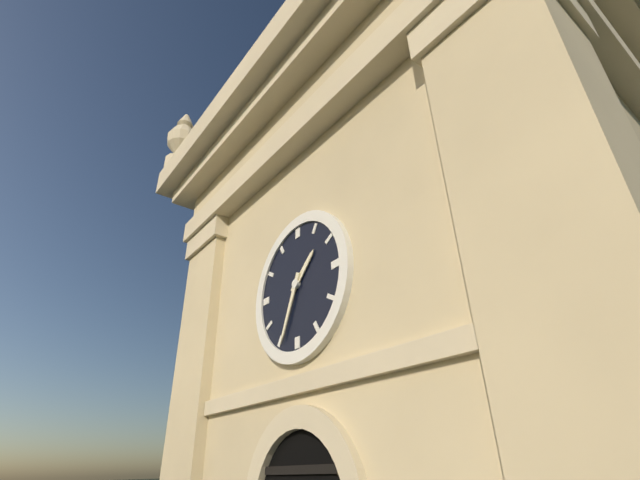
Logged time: 1 h 34 min
